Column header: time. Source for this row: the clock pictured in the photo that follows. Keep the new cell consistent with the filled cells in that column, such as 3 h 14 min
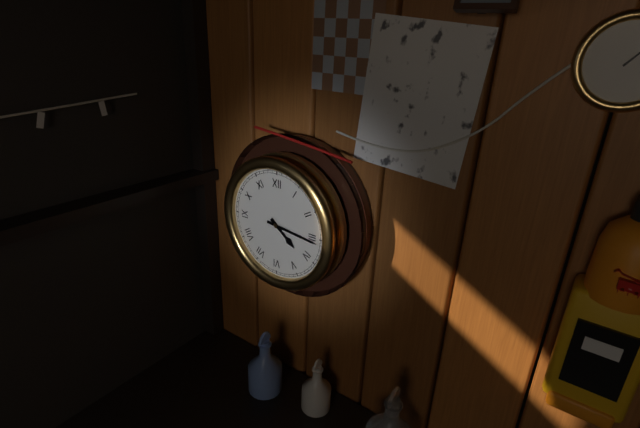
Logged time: 4 h 16 min
